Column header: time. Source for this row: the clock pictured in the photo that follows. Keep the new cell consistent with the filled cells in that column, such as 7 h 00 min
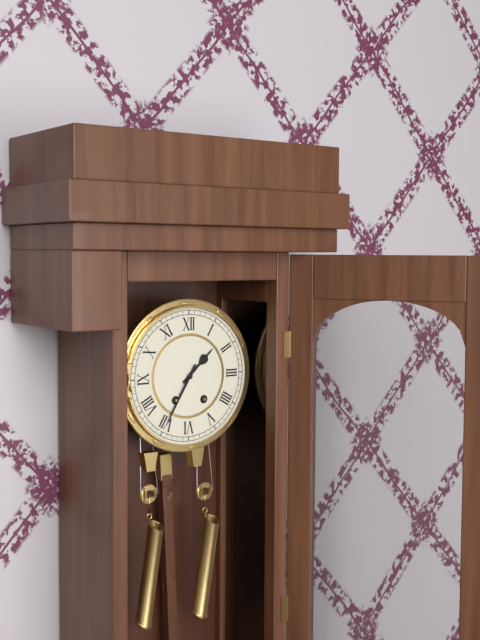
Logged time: 1 h 35 min
